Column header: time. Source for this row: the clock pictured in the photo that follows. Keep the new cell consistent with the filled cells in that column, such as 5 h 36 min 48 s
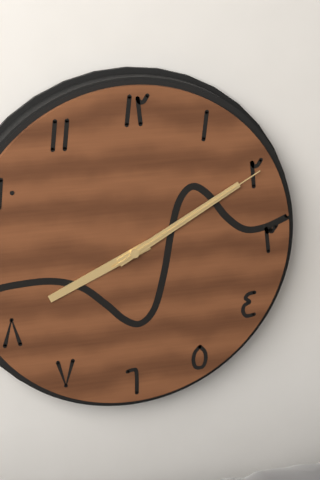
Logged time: 8 h 10 min 10 s
